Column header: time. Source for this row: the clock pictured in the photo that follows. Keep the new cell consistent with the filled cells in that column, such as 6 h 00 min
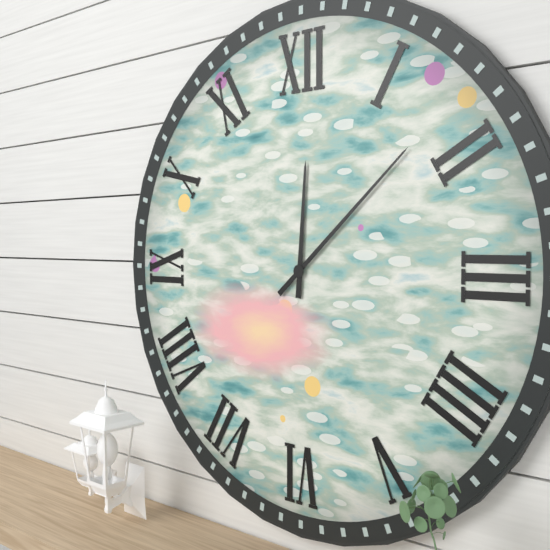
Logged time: 12 h 08 min
